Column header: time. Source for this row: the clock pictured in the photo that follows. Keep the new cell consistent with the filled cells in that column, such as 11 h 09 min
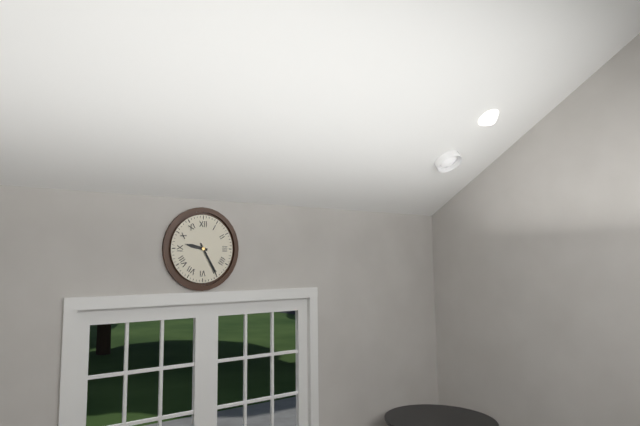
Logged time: 9 h 25 min
